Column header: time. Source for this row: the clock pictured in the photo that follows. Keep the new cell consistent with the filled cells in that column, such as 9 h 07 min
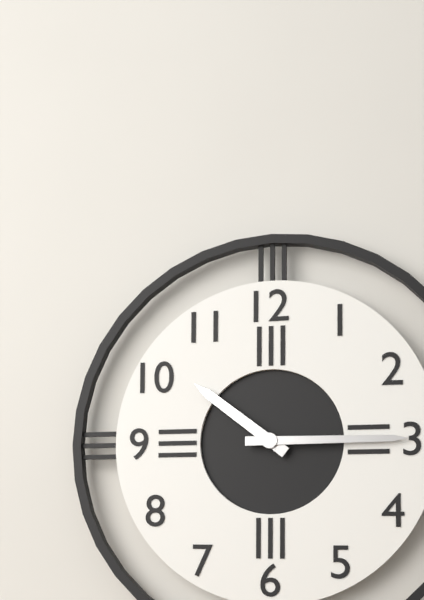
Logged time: 10 h 15 min
